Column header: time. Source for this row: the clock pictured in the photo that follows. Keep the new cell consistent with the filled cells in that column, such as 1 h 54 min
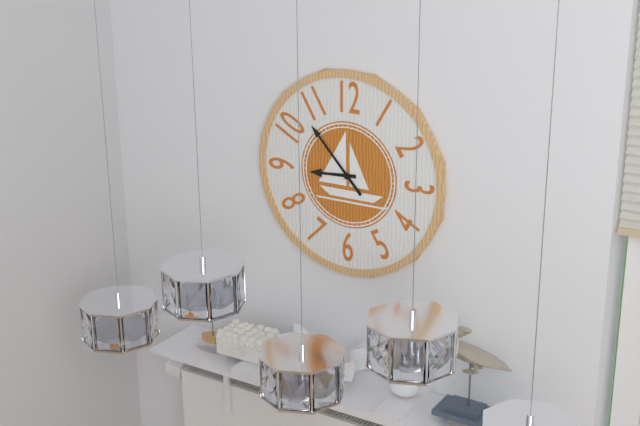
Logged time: 8 h 53 min
